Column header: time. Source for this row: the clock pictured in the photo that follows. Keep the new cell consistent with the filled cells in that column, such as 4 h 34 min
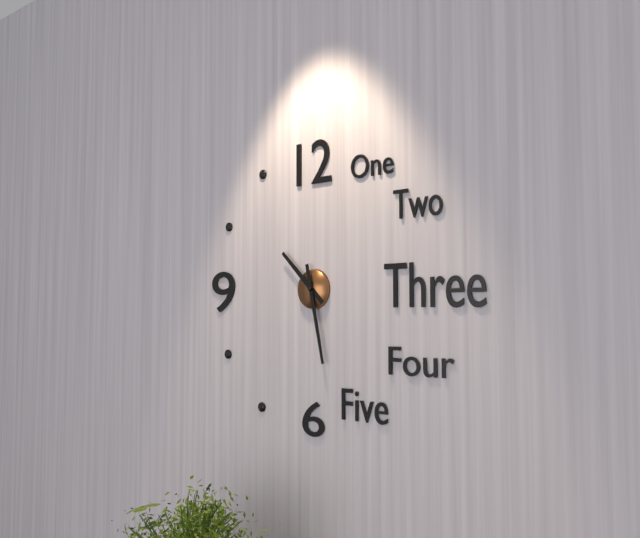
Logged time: 10 h 28 min
